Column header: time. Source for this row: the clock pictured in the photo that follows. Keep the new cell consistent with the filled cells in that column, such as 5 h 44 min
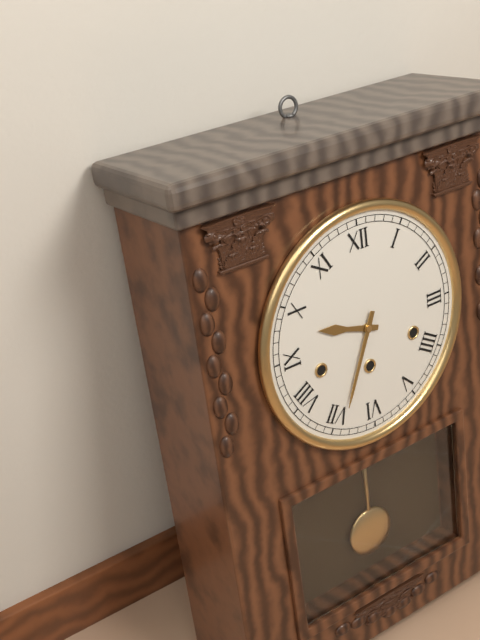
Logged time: 9 h 34 min
